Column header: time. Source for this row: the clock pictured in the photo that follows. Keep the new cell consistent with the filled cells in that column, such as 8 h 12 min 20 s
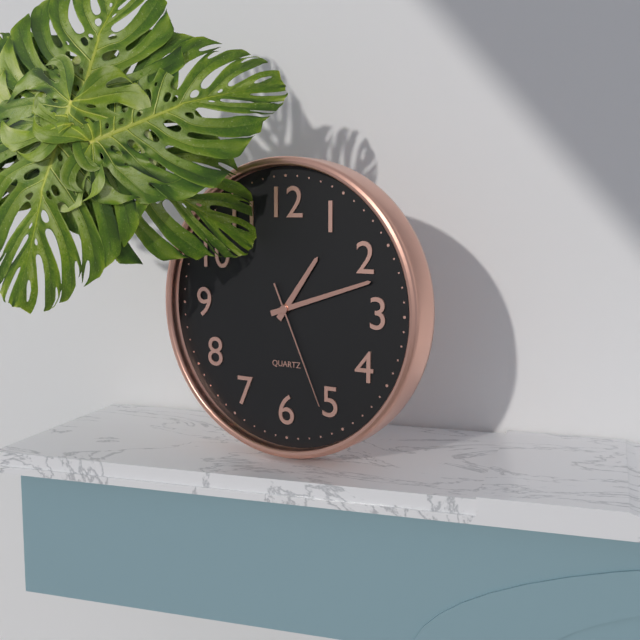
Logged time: 1 h 12 min 26 s
